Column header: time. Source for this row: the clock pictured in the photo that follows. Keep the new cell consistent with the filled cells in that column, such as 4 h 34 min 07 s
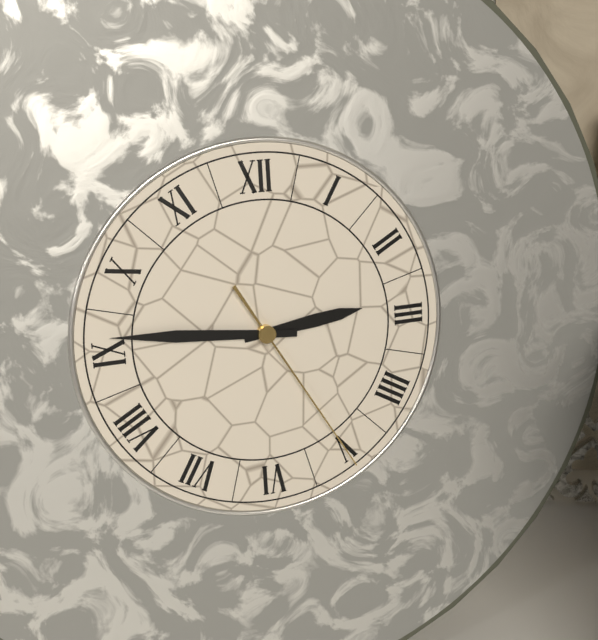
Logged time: 2 h 46 min 25 s
